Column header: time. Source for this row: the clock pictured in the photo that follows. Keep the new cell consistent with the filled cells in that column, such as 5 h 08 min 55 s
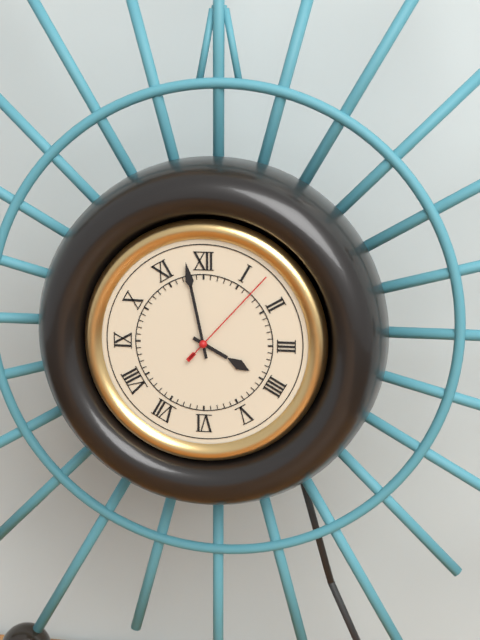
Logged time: 3 h 58 min 07 s
